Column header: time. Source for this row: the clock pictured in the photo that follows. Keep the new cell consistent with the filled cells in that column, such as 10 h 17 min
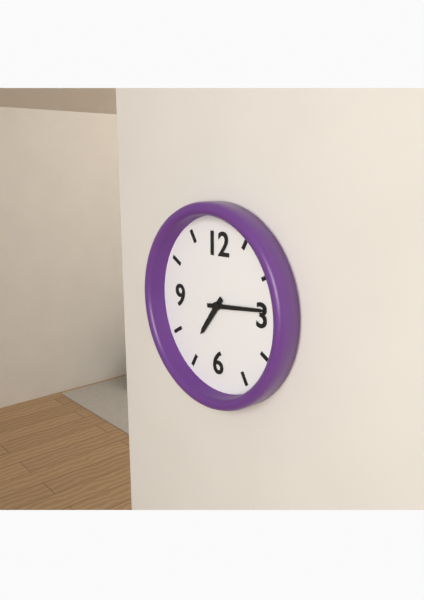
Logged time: 7 h 14 min
